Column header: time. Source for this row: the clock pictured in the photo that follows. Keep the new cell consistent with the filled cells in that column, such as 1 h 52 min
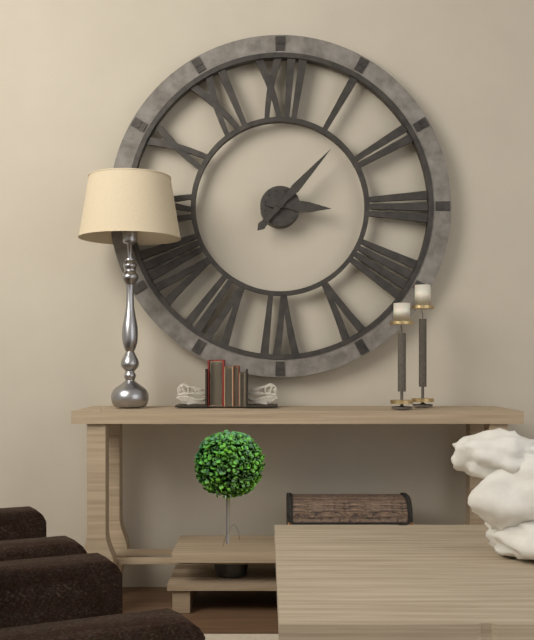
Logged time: 3 h 07 min
